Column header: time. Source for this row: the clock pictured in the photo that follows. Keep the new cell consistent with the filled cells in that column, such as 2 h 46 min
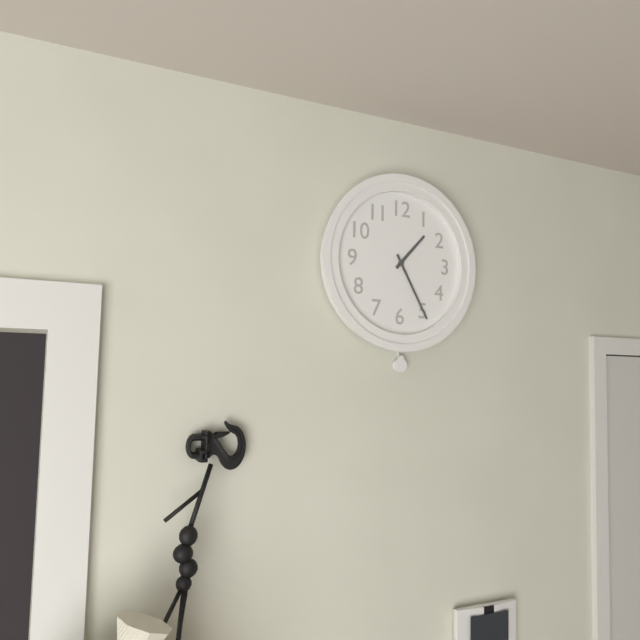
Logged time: 1 h 25 min
